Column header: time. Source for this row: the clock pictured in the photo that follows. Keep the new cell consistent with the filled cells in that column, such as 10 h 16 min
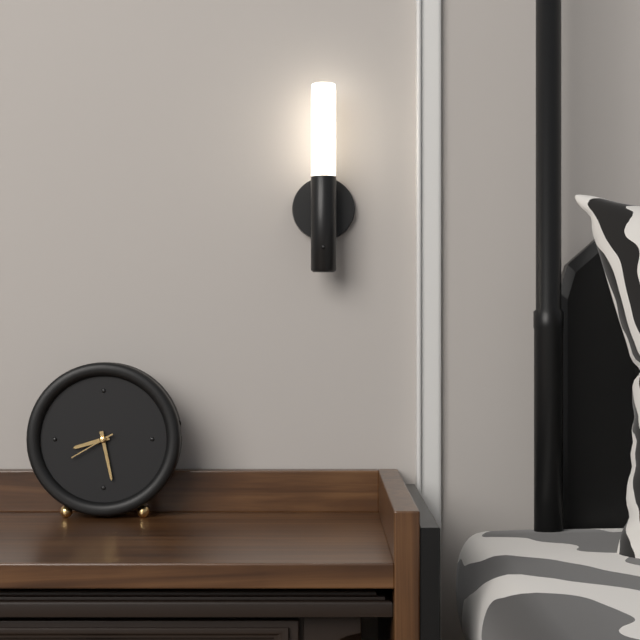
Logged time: 8 h 28 min
